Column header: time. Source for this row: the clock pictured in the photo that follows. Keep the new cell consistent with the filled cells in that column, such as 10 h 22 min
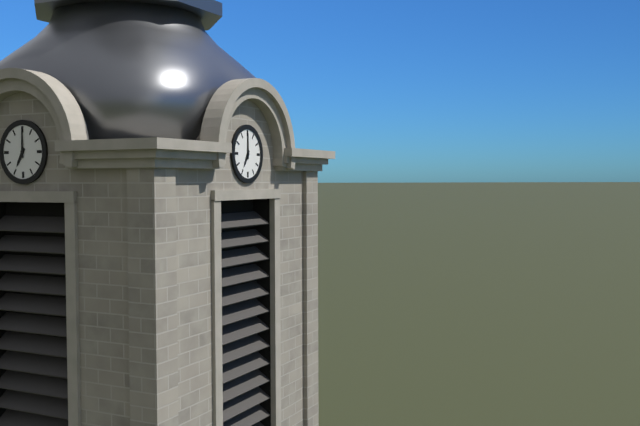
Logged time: 7 h 00 min
